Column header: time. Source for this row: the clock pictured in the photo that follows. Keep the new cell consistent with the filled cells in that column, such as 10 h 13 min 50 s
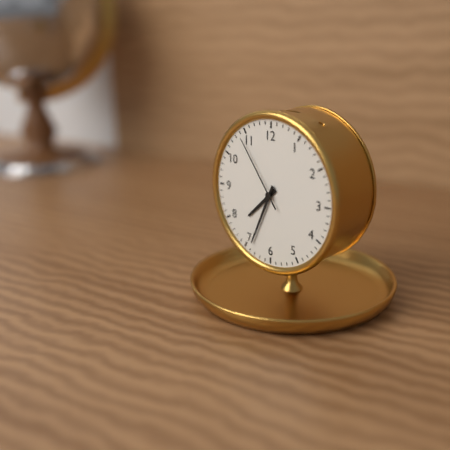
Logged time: 7 h 34 min 54 s
